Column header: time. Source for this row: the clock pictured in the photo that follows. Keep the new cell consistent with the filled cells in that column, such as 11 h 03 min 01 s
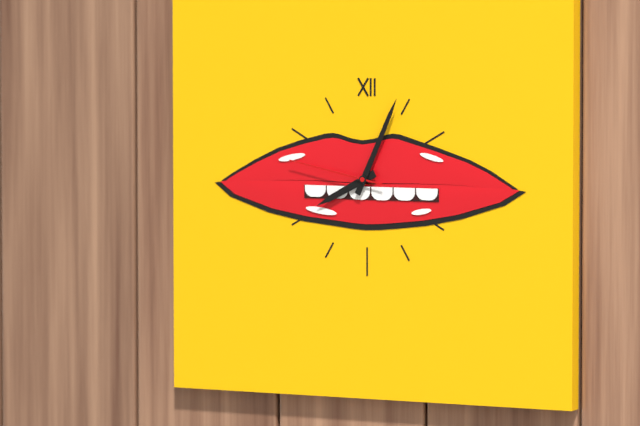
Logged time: 8 h 04 min 47 s
